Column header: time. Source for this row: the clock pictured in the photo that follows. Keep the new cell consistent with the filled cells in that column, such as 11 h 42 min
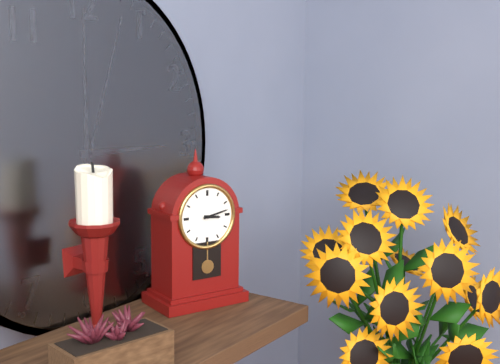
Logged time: 3 h 13 min
